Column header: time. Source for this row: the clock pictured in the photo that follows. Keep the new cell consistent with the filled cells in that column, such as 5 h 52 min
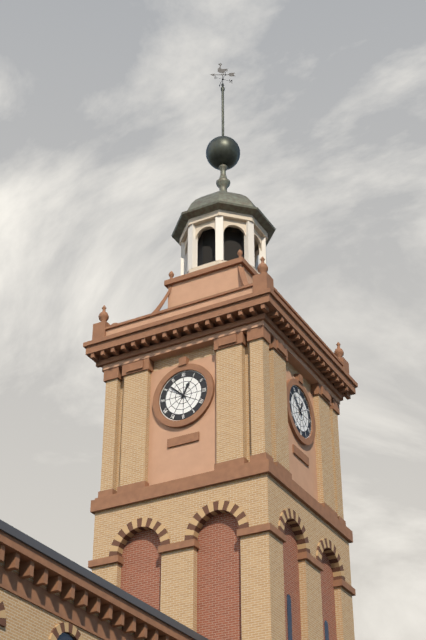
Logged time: 12 h 52 min
